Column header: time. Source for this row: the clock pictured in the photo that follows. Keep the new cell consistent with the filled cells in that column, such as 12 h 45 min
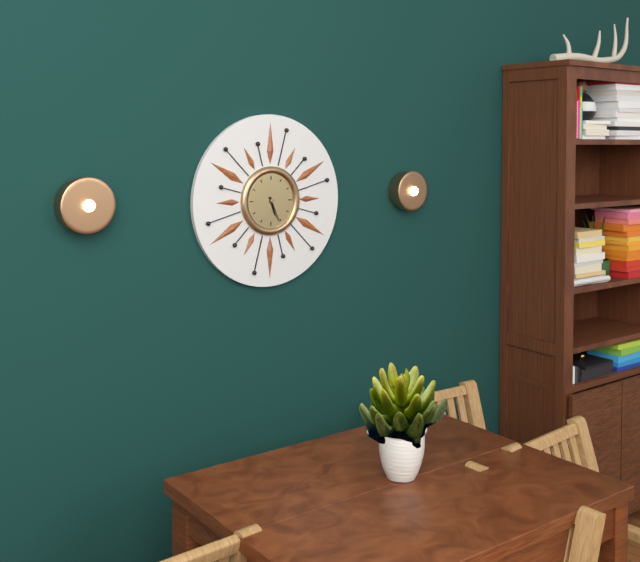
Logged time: 5 h 26 min
